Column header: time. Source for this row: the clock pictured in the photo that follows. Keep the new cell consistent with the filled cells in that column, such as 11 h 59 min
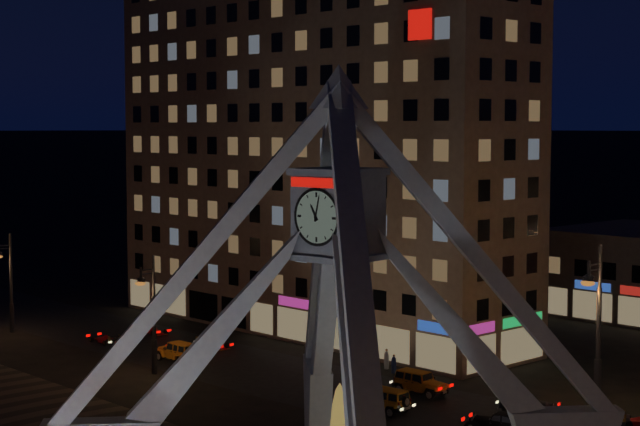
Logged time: 11 h 02 min
